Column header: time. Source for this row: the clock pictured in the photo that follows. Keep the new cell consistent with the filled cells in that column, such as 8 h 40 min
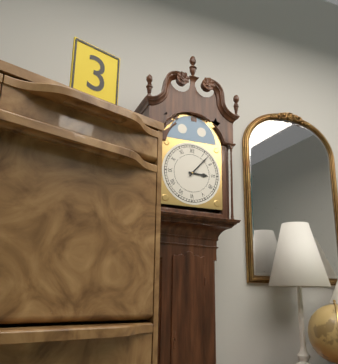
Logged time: 3 h 07 min
